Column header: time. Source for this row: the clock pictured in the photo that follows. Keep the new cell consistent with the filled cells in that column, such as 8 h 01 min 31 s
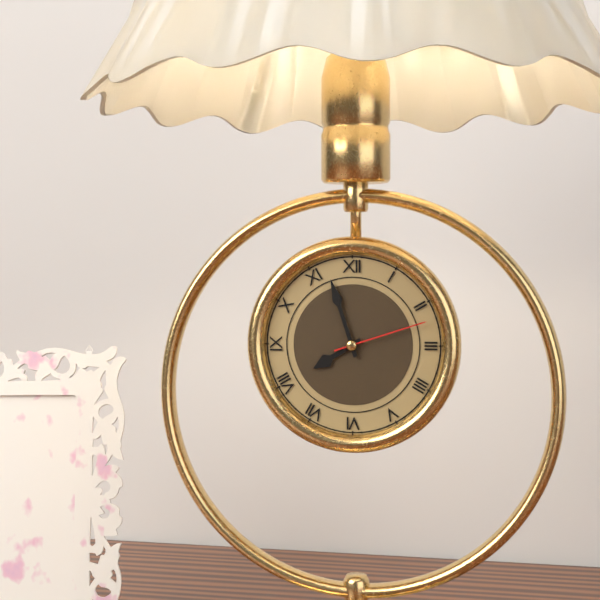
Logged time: 7 h 57 min 12 s
